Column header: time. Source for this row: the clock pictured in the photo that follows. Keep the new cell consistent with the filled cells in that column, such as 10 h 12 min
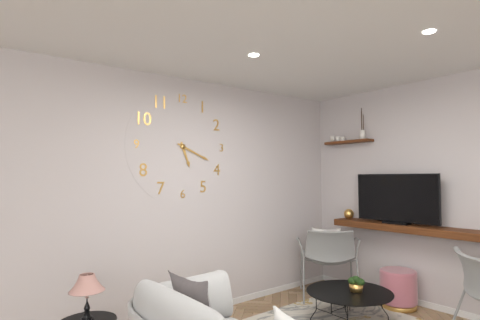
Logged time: 5 h 19 min
